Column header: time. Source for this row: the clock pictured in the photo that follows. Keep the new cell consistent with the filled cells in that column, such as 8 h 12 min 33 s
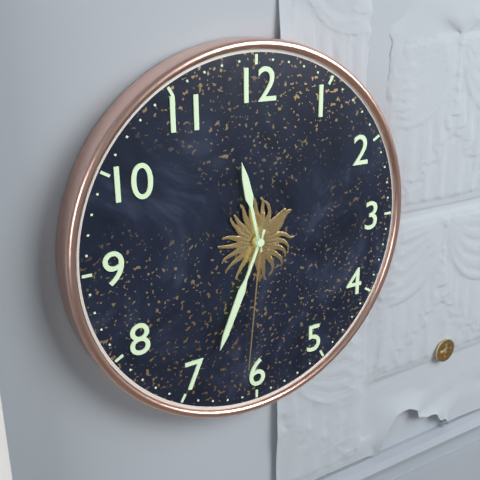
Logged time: 11 h 34 min 31 s
